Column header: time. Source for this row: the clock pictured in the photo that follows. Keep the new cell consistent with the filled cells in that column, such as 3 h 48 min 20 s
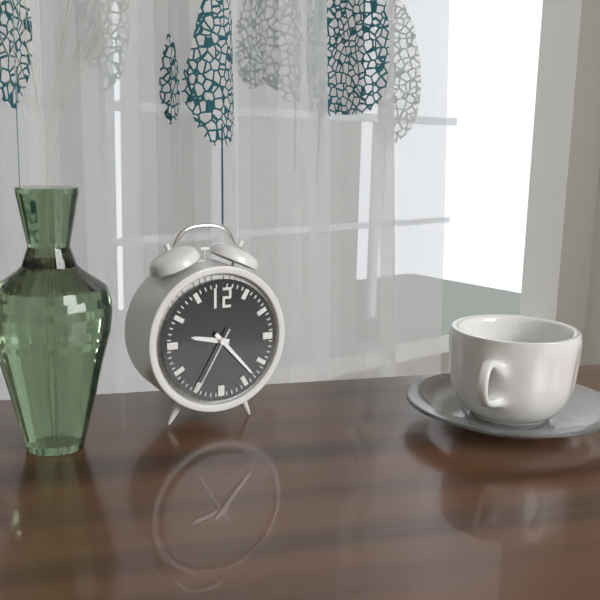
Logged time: 9 h 23 min 35 s
